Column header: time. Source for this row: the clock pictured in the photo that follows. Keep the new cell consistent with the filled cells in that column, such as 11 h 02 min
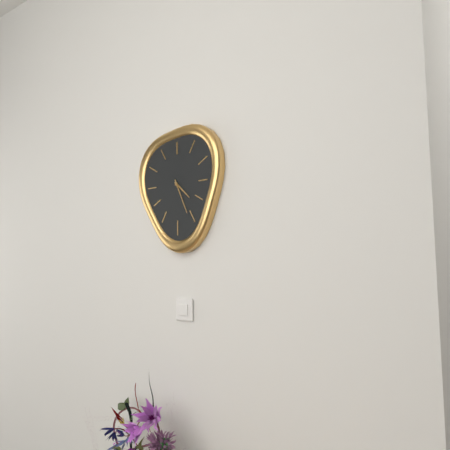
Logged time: 4 h 26 min
